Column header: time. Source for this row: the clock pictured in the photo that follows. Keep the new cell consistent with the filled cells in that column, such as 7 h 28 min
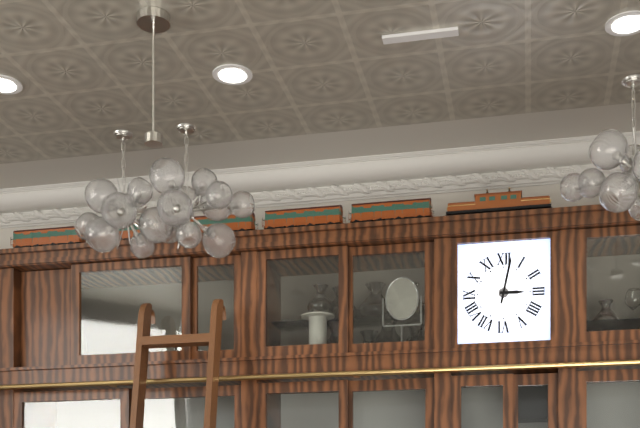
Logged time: 3 h 02 min
